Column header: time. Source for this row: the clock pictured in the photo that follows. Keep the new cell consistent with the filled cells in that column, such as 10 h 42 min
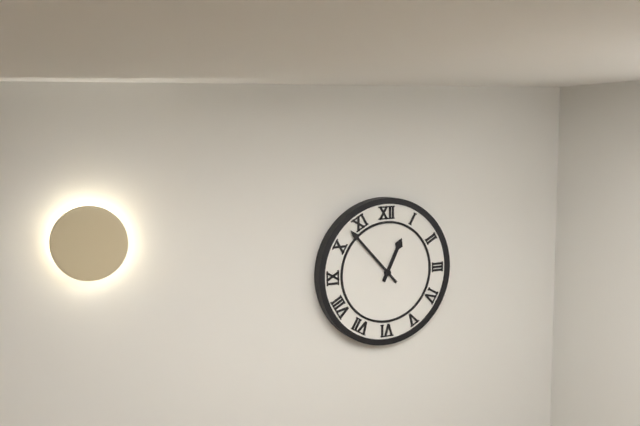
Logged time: 12 h 53 min
